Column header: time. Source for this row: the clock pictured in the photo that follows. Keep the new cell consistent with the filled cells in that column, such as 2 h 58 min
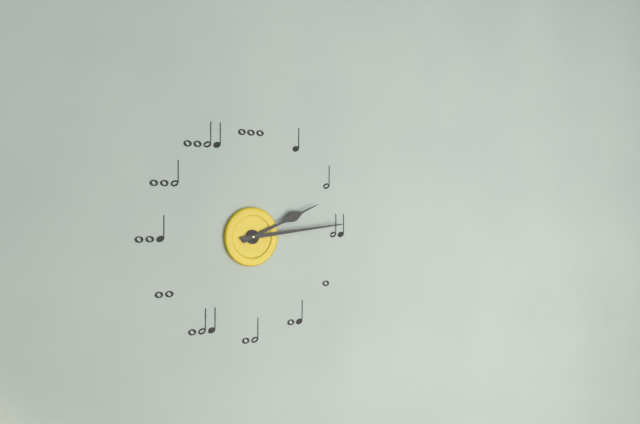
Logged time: 2 h 14 min
